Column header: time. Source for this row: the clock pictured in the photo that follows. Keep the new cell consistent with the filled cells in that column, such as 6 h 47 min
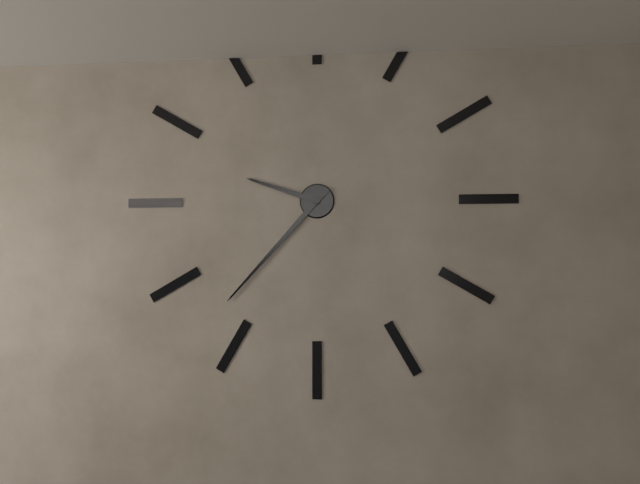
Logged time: 9 h 37 min
